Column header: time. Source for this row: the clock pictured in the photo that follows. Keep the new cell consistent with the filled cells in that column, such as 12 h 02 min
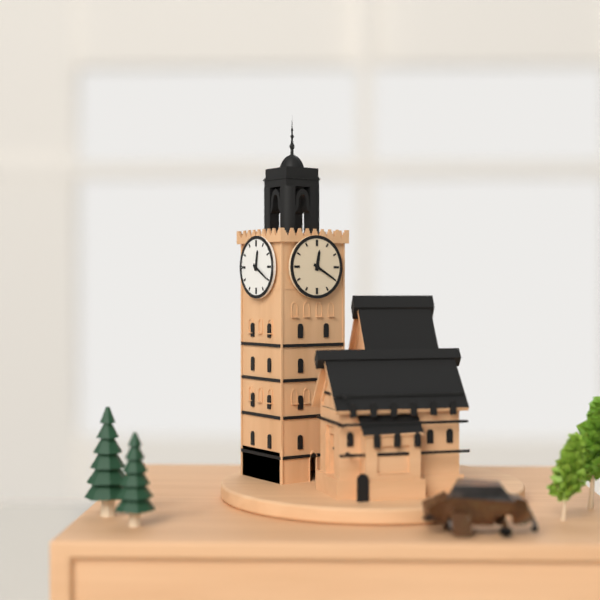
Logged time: 12 h 20 min
